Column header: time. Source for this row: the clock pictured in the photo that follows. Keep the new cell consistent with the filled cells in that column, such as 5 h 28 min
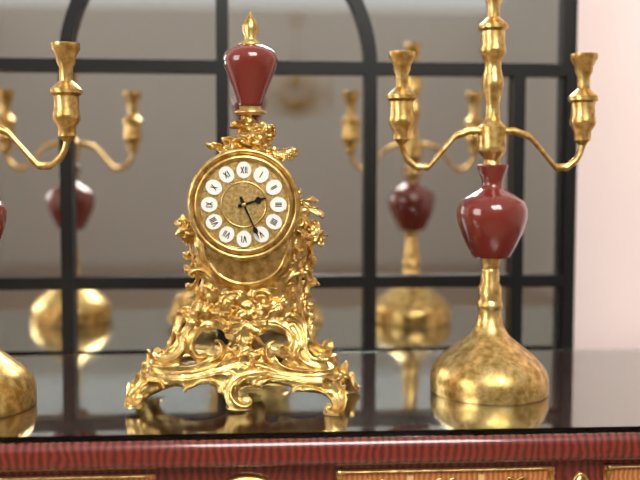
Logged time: 2 h 26 min
